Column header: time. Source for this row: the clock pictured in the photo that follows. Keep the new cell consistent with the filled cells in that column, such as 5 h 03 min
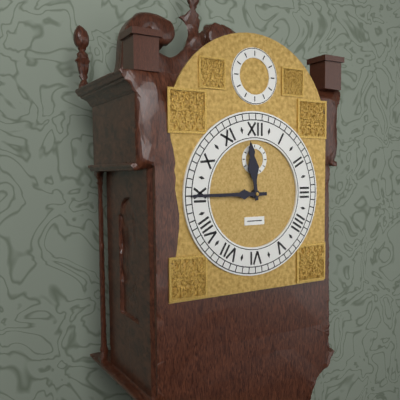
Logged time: 11 h 45 min
